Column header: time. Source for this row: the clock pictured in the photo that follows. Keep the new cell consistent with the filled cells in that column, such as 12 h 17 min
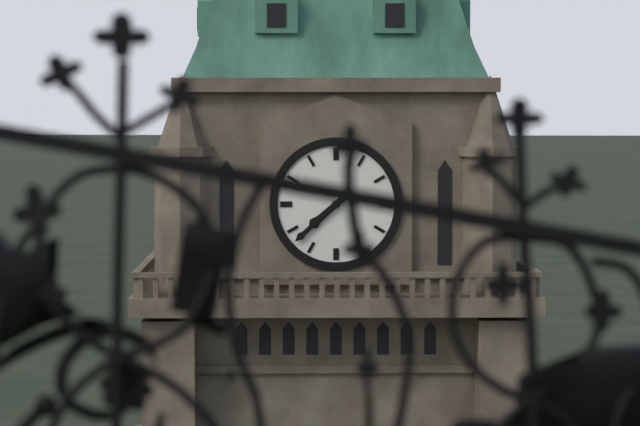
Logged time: 7 h 38 min
